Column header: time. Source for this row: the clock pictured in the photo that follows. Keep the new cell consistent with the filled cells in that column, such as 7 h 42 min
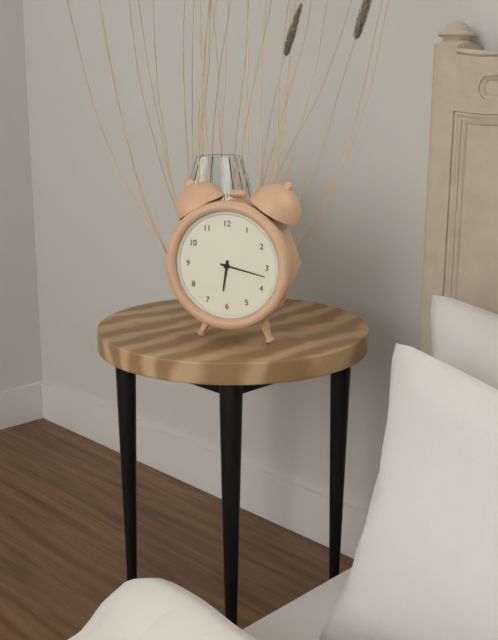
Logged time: 6 h 17 min
